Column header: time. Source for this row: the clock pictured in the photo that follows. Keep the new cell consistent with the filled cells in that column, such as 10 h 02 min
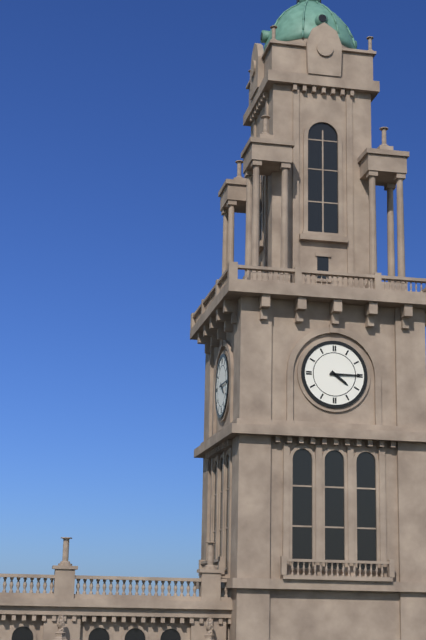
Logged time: 4 h 15 min
